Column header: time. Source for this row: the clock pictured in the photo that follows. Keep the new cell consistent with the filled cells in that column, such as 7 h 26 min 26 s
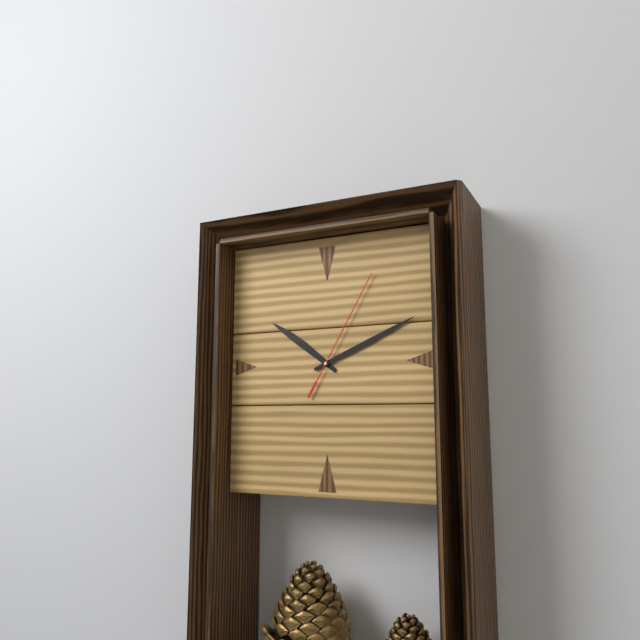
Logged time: 10 h 11 min 05 s
